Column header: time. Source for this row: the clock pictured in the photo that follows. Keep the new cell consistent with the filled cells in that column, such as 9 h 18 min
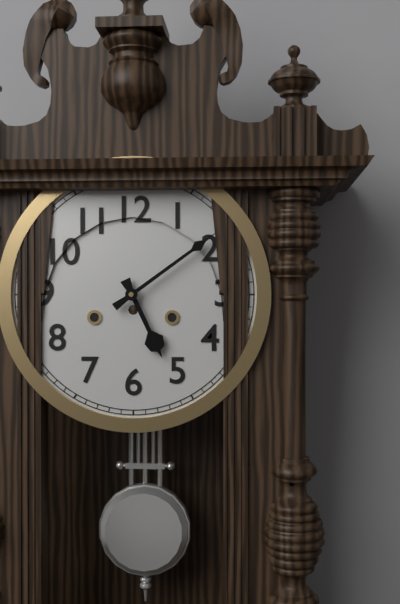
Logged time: 5 h 09 min
